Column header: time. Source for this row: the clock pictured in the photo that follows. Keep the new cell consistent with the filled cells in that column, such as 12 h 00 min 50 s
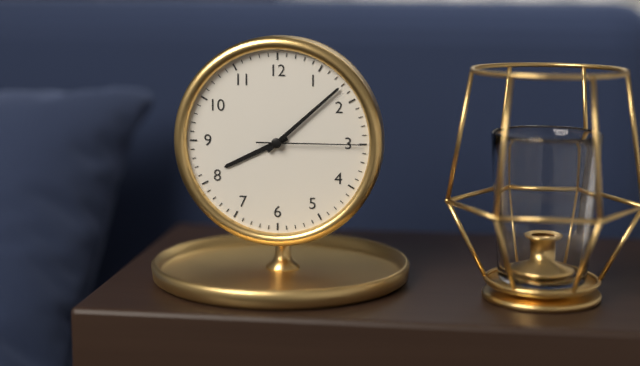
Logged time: 8 h 08 min 15 s
